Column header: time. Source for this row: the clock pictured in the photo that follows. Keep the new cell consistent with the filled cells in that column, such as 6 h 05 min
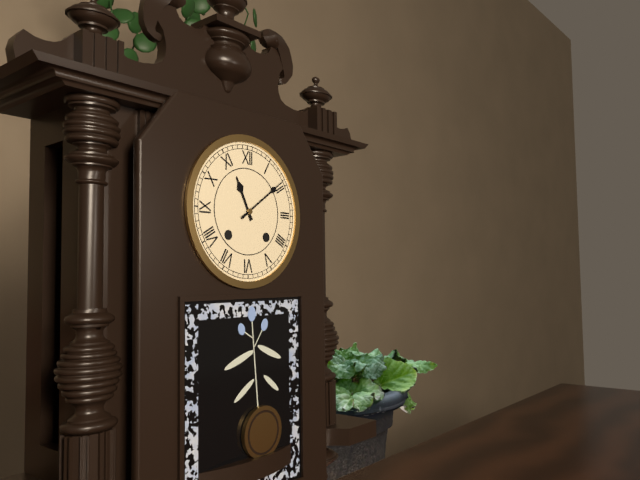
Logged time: 11 h 09 min
